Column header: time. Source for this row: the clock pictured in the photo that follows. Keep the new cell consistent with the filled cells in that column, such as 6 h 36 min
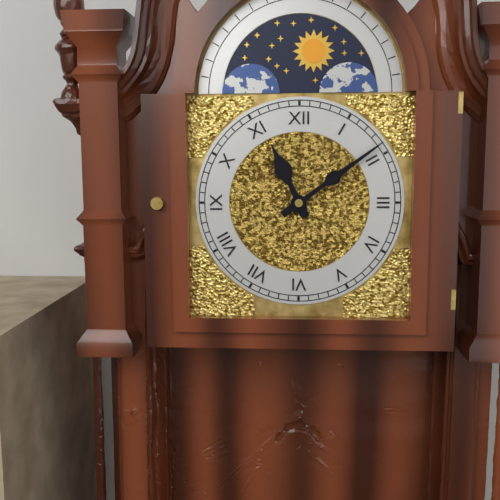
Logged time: 11 h 09 min
